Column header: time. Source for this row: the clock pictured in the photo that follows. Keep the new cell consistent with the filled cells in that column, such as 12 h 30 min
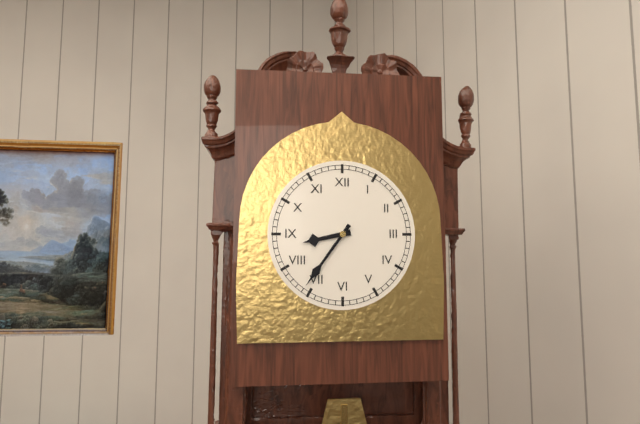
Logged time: 8 h 36 min
